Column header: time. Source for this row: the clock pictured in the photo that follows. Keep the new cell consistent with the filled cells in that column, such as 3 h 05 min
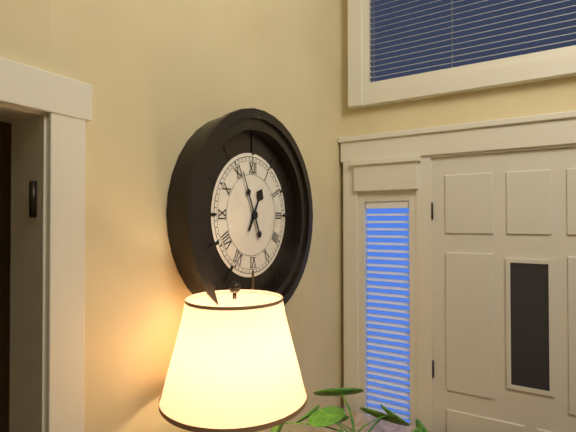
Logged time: 12 h 56 min
